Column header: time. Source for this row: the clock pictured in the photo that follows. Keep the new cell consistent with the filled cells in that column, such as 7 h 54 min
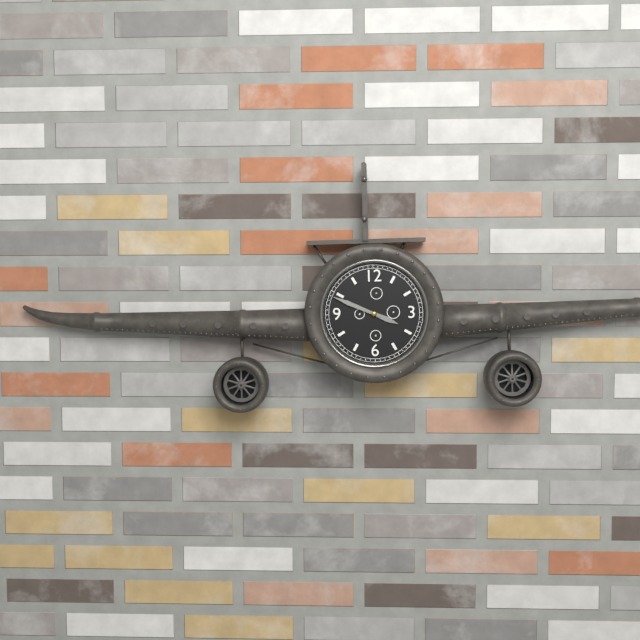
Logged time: 3 h 49 min
